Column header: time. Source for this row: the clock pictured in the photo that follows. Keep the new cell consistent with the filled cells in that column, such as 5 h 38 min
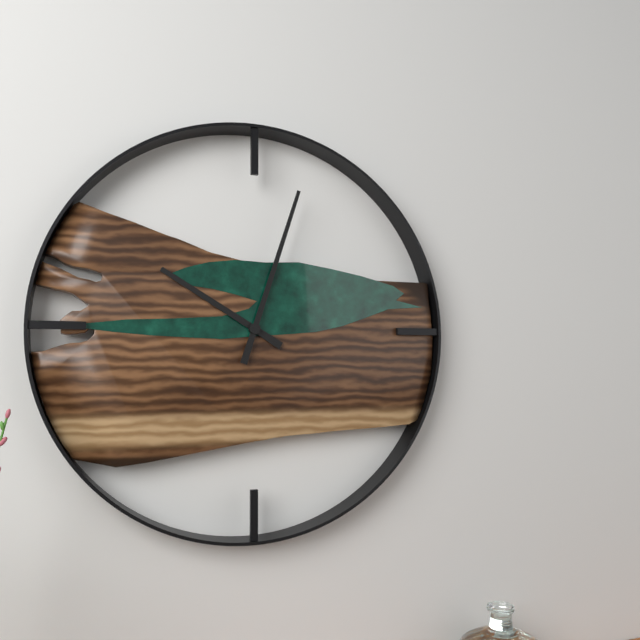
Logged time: 10 h 03 min
